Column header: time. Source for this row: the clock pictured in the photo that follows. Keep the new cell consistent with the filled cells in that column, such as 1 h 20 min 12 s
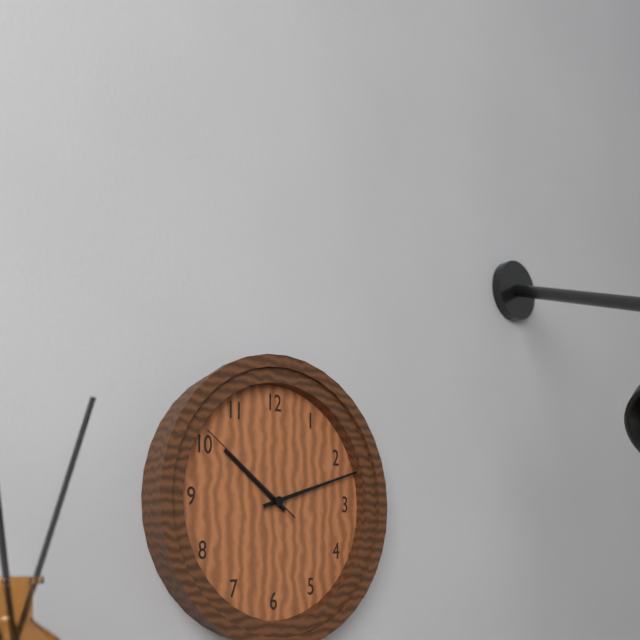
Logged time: 10 h 12 min 51 s
